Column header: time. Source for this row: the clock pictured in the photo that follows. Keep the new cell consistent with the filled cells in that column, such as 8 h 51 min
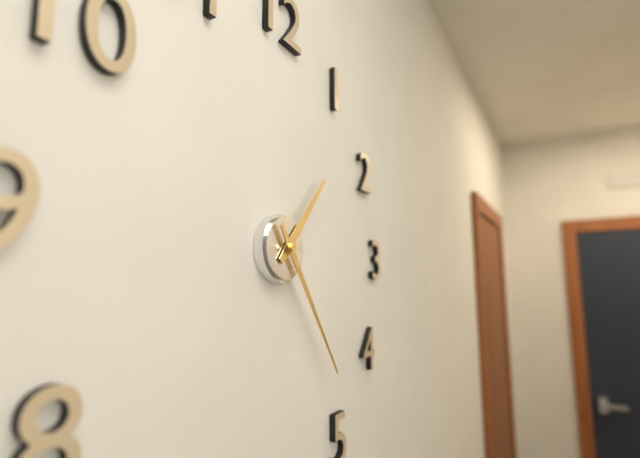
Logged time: 1 h 24 min
